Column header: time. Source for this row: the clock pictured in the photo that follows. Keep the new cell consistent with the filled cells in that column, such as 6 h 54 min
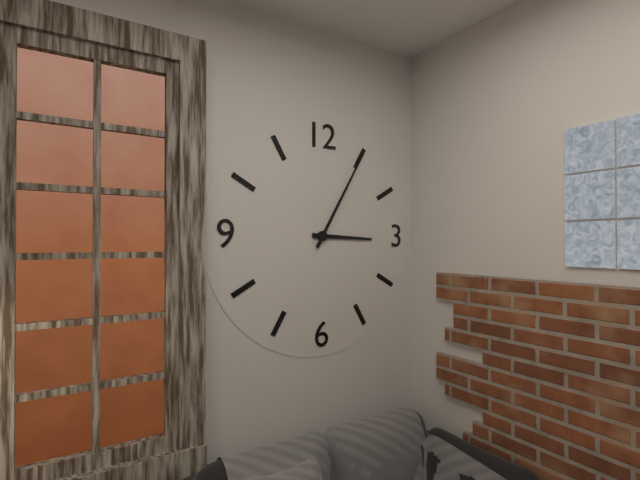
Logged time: 3 h 05 min
